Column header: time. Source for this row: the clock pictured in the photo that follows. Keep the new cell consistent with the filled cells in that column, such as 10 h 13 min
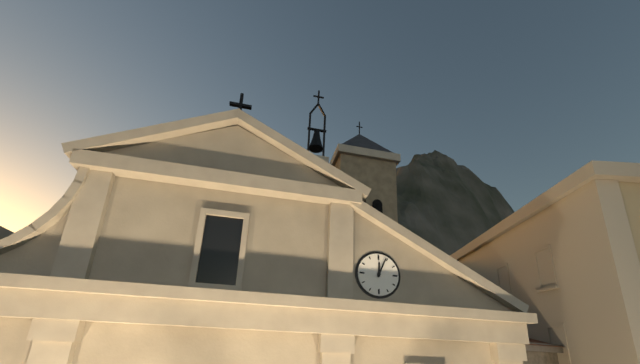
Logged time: 12 h 04 min
